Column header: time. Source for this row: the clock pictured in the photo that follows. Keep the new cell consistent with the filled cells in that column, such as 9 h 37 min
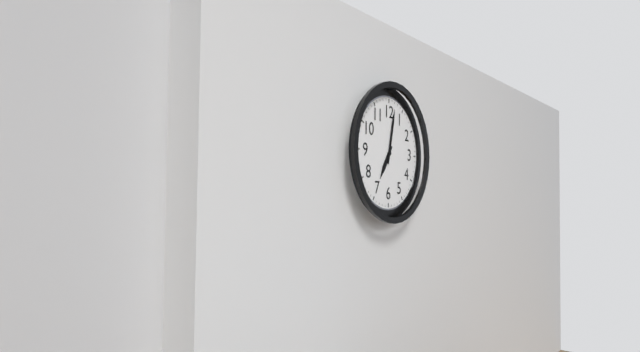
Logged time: 7 h 02 min
